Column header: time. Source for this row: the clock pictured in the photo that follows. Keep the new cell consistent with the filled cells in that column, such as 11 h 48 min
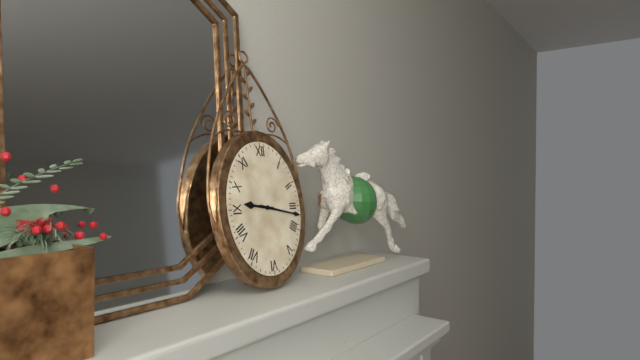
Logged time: 9 h 17 min
